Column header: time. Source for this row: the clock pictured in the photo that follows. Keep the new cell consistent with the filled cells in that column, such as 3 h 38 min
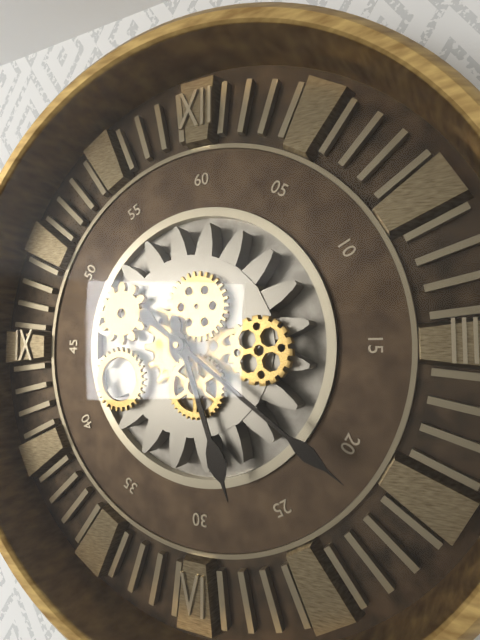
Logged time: 5 h 21 min
